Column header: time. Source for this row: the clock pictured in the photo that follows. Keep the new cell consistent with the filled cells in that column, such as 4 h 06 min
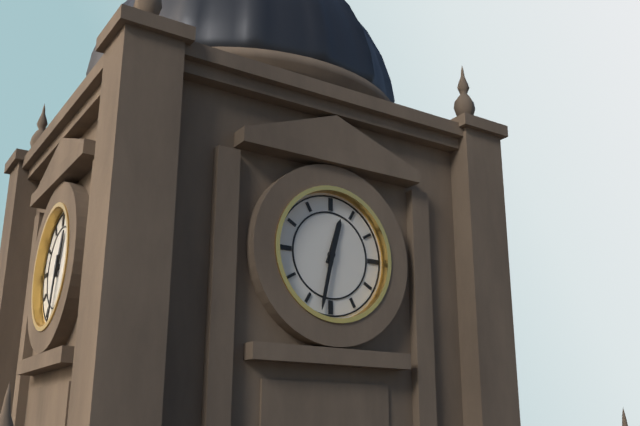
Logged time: 12 h 32 min
